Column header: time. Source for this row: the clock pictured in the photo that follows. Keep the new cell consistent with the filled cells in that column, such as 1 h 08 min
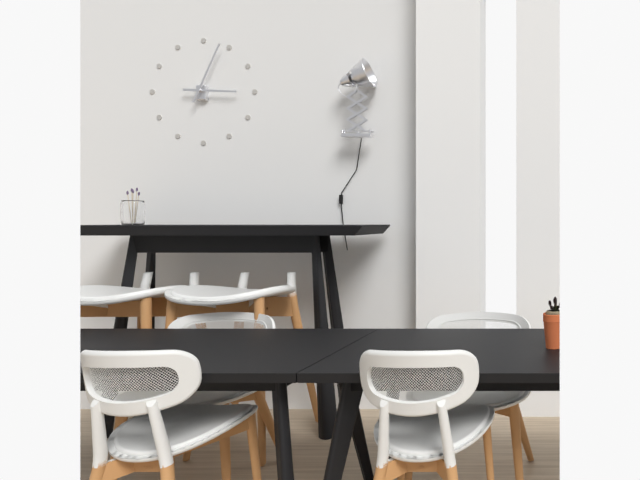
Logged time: 3 h 04 min
